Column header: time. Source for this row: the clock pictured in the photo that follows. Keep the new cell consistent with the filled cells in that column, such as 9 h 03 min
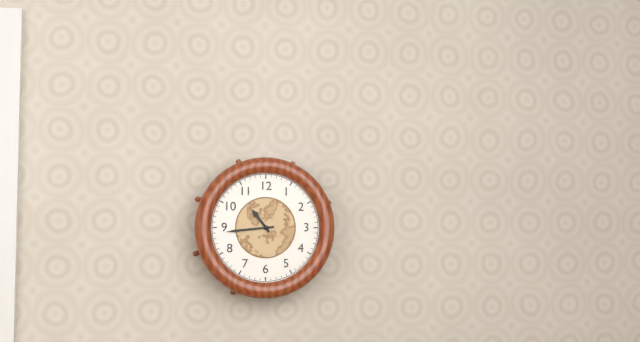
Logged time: 10 h 44 min
